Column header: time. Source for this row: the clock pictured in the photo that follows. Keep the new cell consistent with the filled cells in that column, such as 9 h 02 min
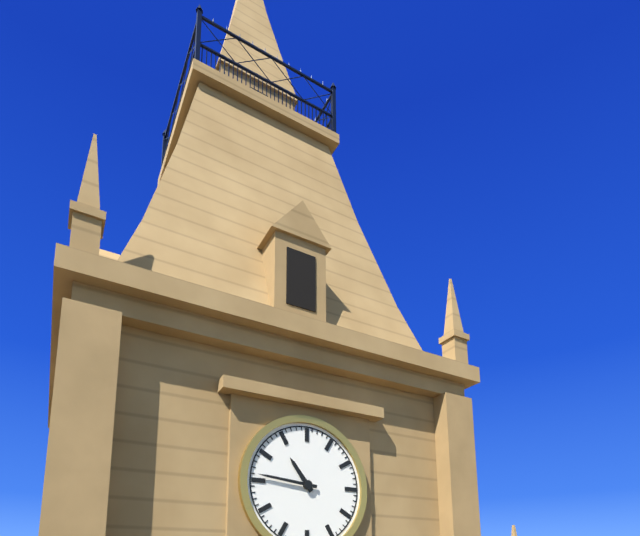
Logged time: 10 h 46 min
